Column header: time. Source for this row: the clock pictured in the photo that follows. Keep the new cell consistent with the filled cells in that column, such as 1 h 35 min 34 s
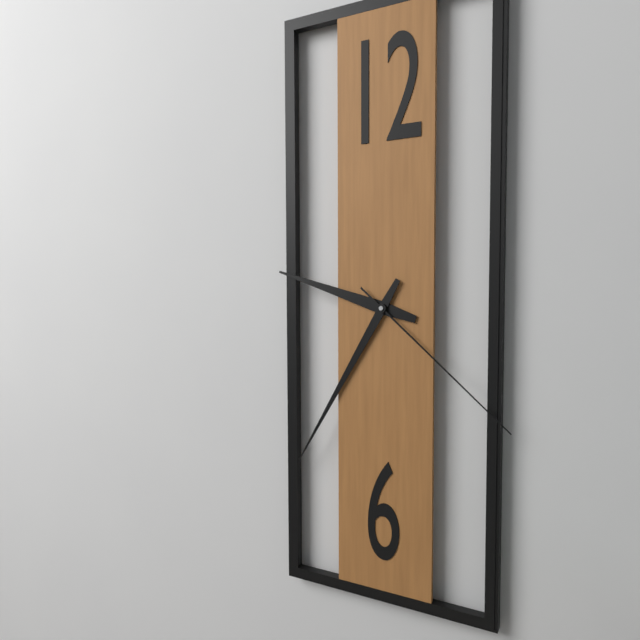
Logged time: 9 h 35 min 22 s
